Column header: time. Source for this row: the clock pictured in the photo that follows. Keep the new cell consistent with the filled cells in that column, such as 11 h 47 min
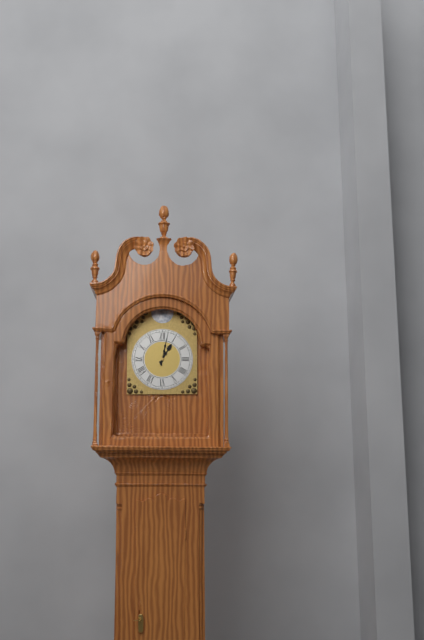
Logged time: 1 h 02 min
